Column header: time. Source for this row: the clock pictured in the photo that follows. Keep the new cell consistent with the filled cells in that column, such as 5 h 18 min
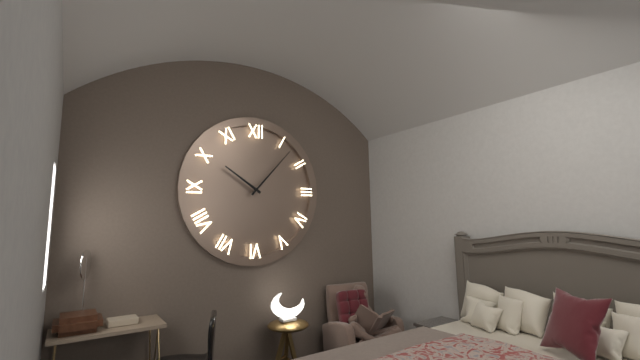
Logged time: 10 h 07 min
